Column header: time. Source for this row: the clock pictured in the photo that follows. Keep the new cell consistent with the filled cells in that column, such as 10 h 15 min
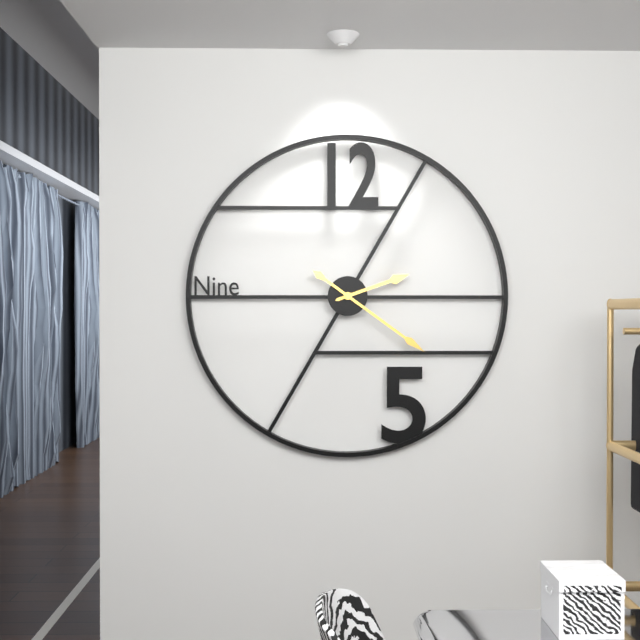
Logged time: 2 h 21 min
